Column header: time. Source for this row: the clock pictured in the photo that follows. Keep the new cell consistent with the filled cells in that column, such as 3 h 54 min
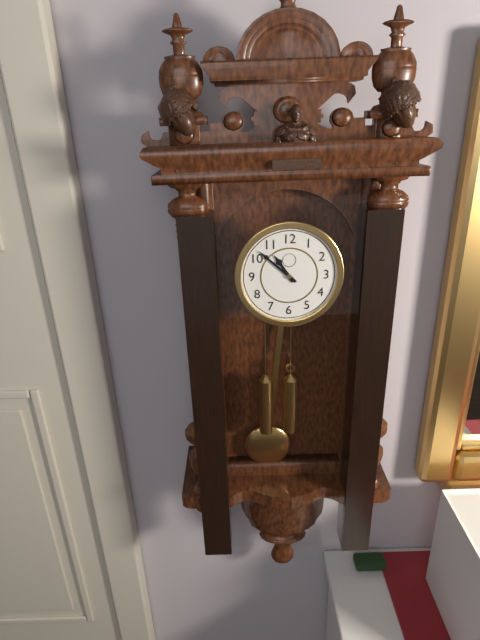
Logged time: 10 h 52 min
